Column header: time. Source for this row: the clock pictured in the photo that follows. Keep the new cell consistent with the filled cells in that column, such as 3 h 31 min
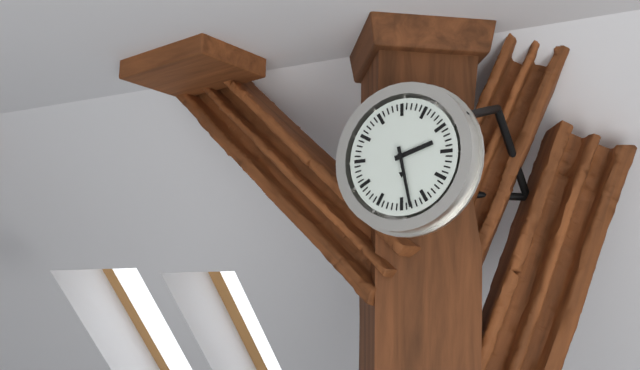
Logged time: 2 h 28 min
